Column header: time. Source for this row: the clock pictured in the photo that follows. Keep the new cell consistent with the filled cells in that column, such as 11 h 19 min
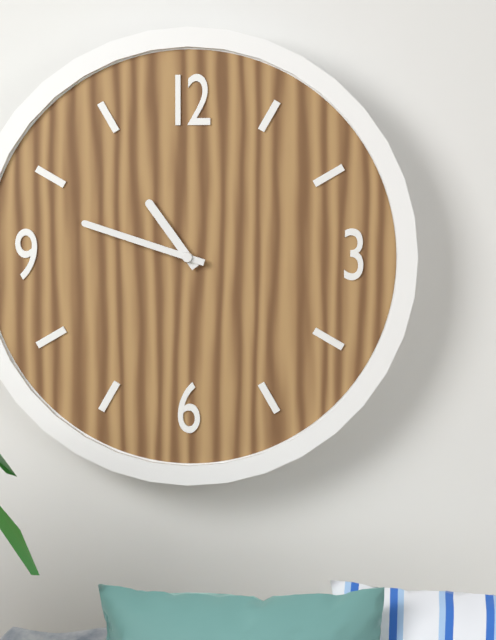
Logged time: 10 h 48 min
